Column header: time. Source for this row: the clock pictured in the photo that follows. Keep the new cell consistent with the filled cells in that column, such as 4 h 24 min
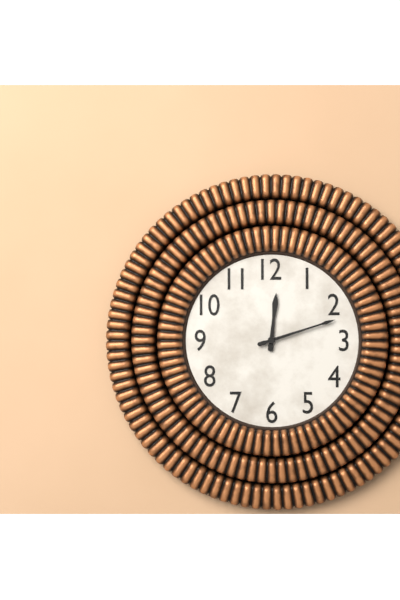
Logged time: 12 h 12 min
